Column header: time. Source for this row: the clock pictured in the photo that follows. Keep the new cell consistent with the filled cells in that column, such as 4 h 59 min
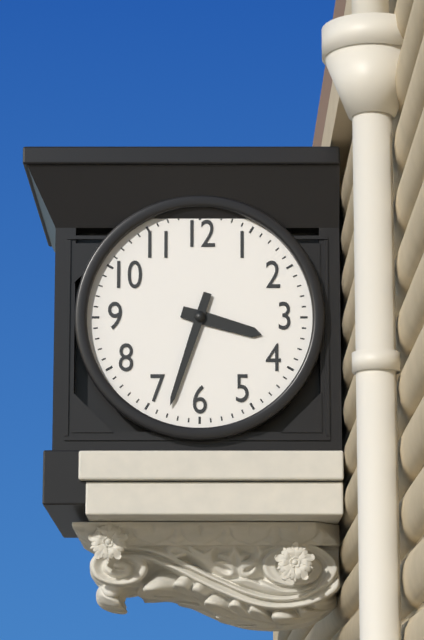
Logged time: 3 h 33 min
